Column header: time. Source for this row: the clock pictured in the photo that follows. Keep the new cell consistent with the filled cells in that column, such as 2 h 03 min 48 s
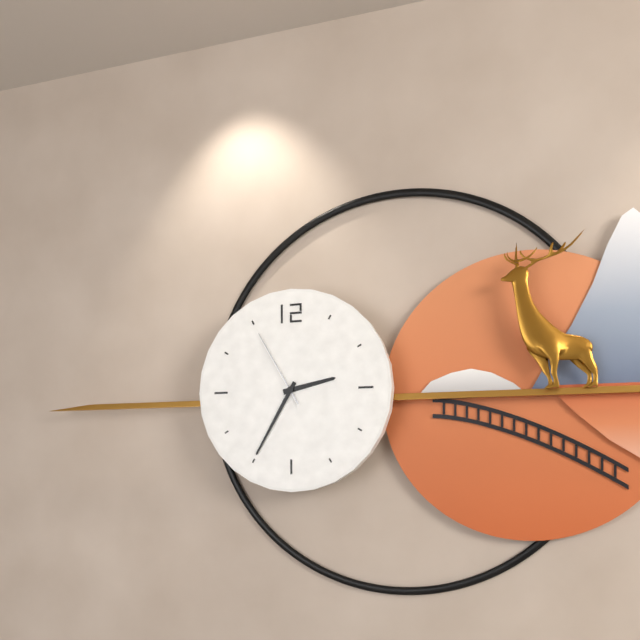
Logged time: 2 h 35 min 55 s
